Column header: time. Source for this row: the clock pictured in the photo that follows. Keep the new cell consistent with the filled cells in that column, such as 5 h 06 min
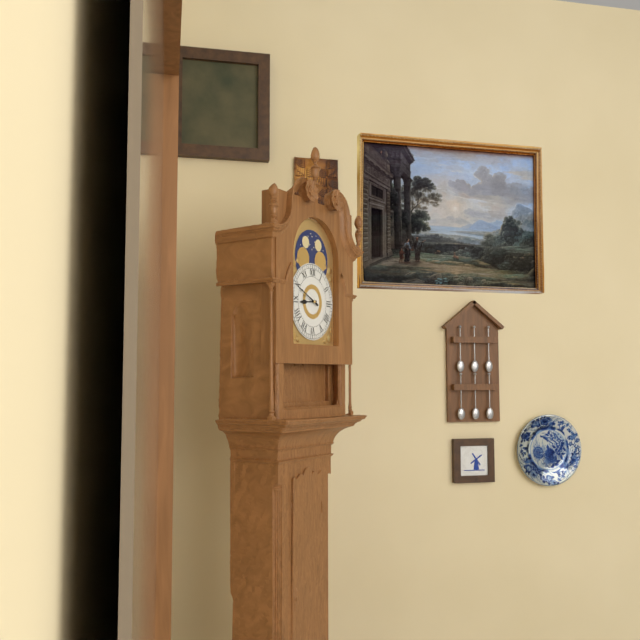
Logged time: 8 h 49 min
